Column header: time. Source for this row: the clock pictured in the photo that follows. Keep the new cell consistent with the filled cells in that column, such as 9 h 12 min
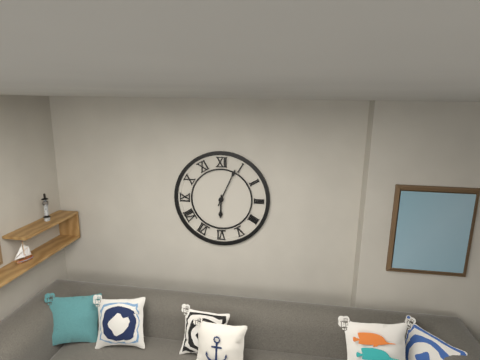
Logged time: 6 h 04 min
